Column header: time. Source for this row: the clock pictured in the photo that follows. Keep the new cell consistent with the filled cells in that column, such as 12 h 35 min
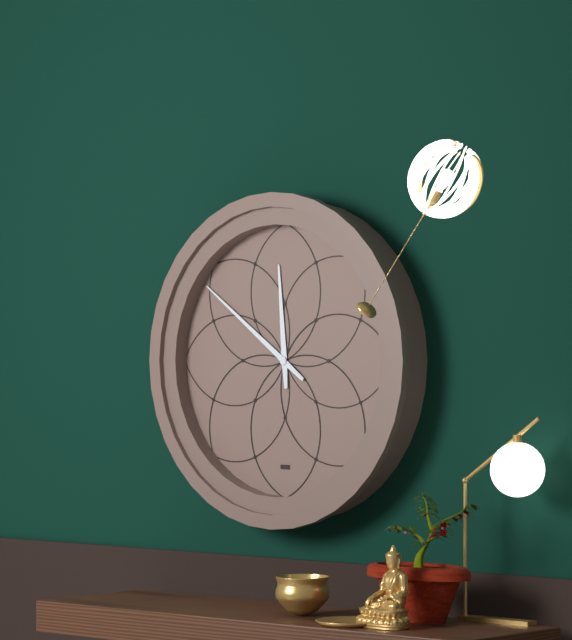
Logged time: 11 h 51 min
